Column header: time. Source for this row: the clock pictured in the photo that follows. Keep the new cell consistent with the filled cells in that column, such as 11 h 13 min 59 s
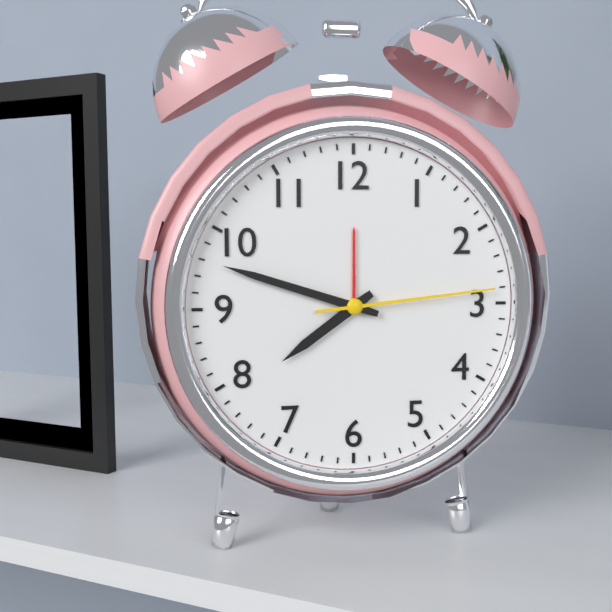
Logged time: 7 h 48 min 14 s
